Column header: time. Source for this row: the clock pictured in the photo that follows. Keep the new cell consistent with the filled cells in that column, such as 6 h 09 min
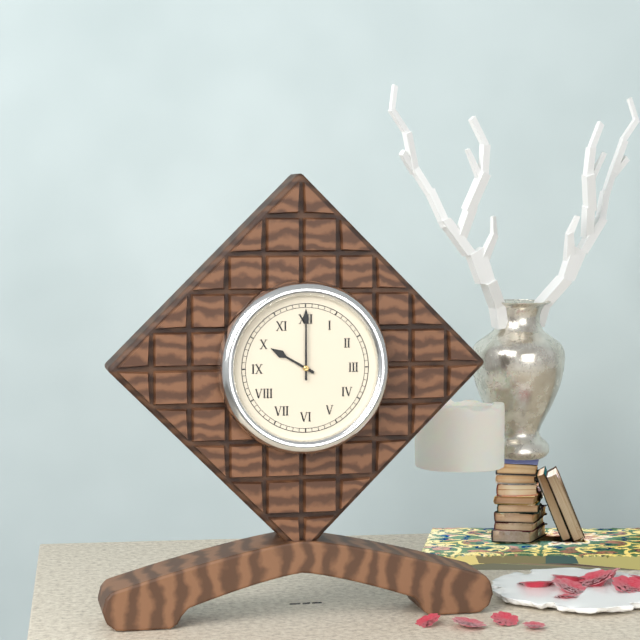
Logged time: 10 h 00 min
